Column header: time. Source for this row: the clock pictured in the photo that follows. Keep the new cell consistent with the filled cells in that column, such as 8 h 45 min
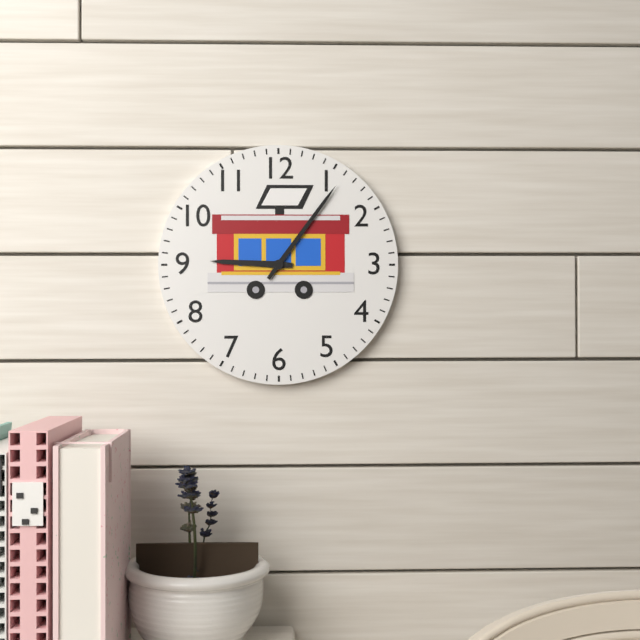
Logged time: 9 h 06 min
